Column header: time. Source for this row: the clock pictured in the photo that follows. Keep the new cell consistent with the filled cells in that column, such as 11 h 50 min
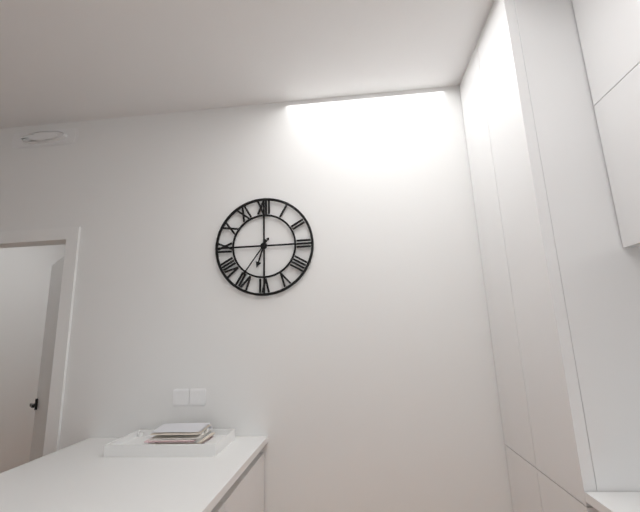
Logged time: 6 h 36 min
